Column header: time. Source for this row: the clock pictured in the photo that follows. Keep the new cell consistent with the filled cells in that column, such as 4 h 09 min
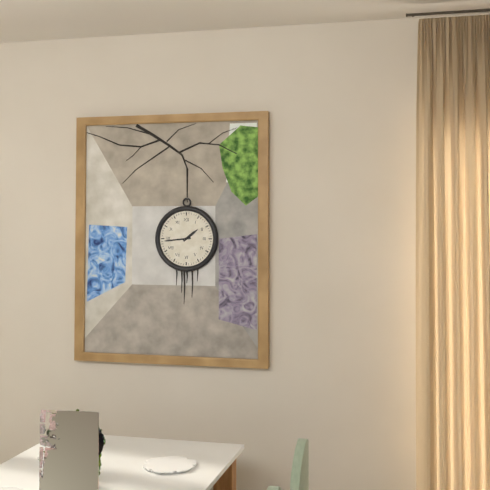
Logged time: 1 h 44 min
